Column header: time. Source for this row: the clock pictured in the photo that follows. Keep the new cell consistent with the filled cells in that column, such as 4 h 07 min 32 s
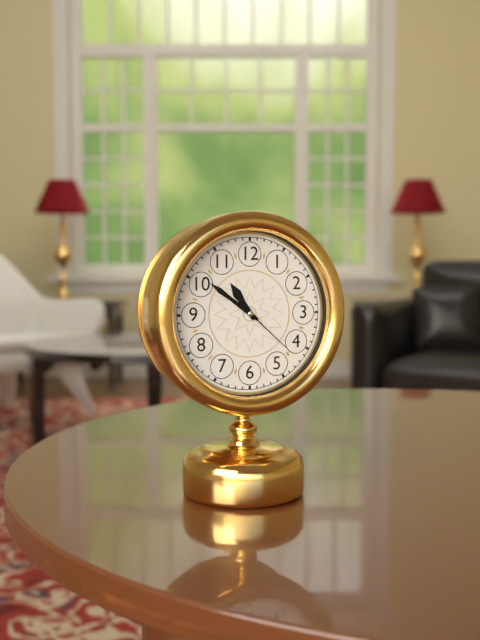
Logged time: 10 h 51 min 22 s
